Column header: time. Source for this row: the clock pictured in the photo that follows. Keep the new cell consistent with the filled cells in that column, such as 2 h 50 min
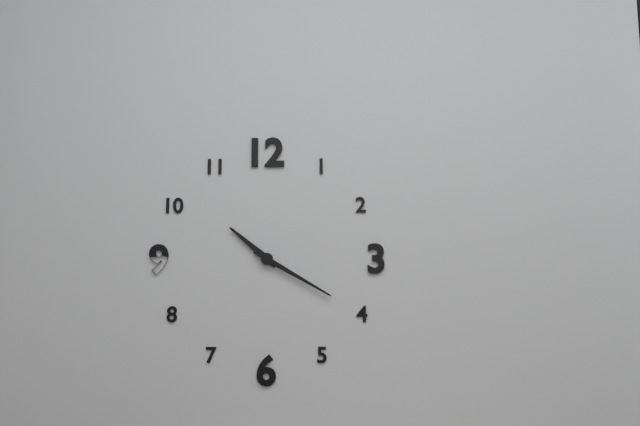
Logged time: 10 h 20 min
